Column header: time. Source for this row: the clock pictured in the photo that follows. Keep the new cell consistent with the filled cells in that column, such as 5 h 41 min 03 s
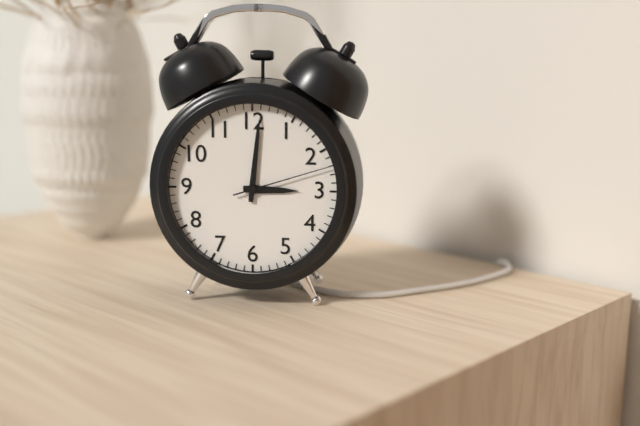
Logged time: 3 h 01 min 12 s
